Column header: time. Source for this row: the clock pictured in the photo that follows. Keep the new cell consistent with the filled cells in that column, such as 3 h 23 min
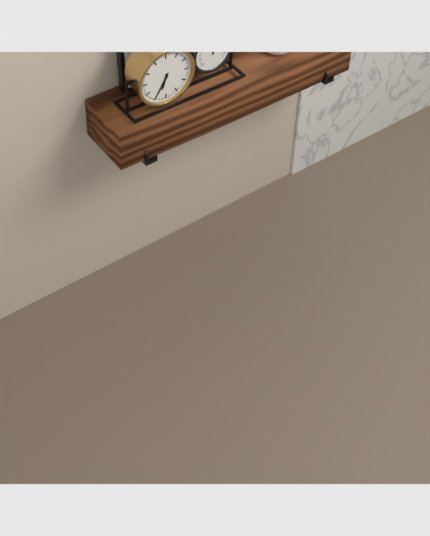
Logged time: 6 h 35 min
